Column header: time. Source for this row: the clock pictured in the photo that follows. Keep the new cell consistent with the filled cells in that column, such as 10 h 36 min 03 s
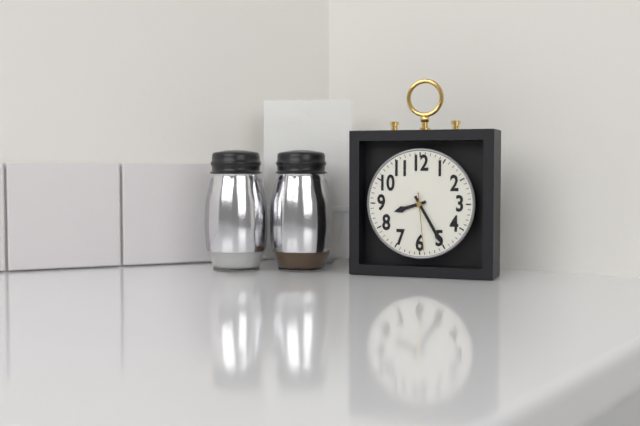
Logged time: 8 h 25 min 29 s
